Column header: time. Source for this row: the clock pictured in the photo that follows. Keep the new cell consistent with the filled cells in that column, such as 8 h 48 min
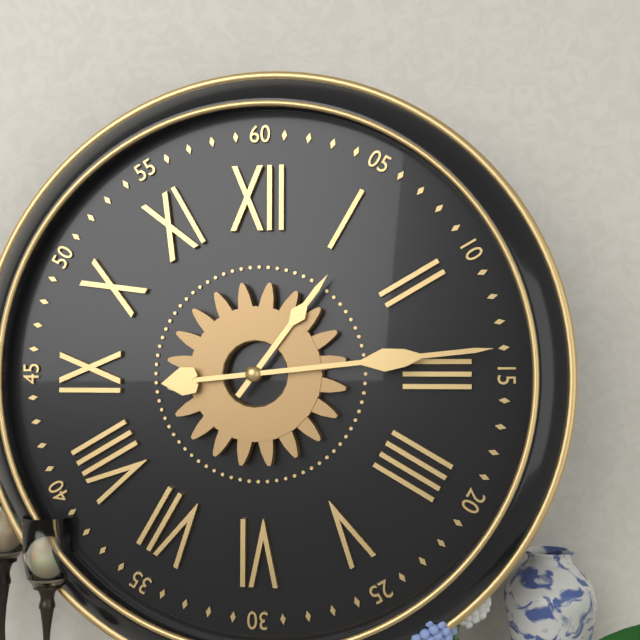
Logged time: 1 h 14 min
